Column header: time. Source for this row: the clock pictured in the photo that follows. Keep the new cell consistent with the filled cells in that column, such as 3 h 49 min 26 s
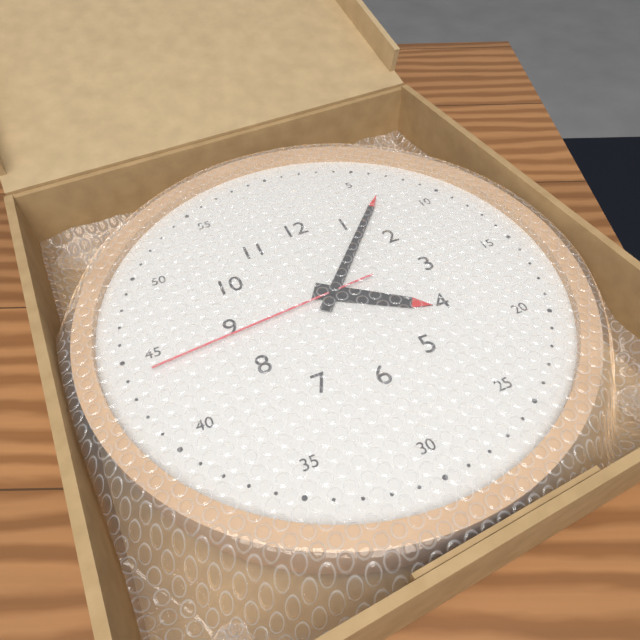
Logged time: 4 h 07 min 44 s
